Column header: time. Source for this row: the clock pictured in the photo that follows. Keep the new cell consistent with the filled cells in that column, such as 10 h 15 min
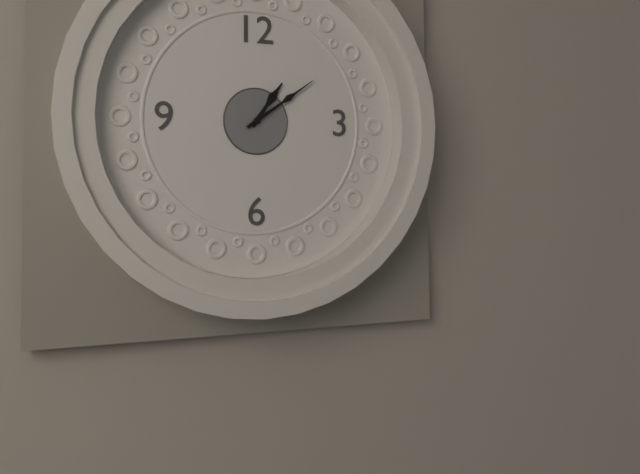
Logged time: 1 h 09 min
